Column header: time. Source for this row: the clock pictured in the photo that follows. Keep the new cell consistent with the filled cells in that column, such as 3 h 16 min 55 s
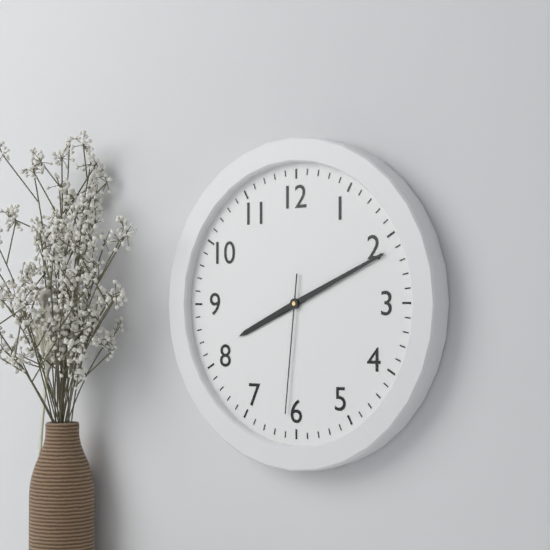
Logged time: 8 h 11 min 31 s
